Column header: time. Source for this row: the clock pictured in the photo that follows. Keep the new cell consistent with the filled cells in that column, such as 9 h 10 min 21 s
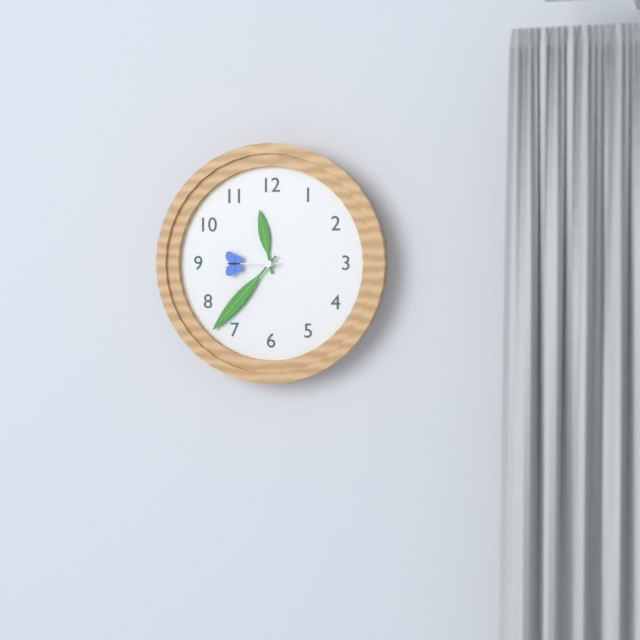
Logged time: 11 h 37 min 45 s
